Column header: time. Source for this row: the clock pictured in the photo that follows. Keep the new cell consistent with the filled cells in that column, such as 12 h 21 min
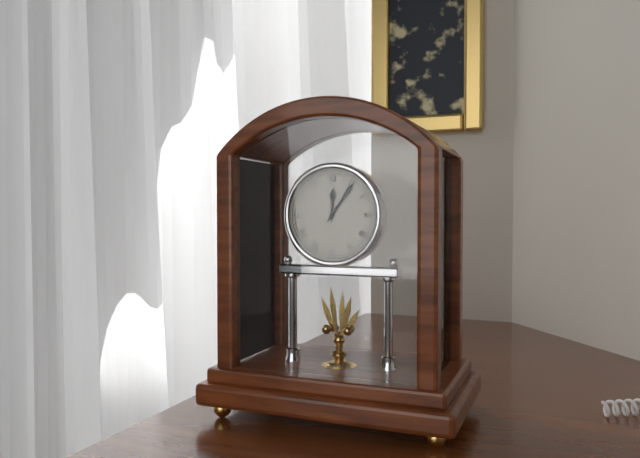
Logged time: 12 h 06 min
